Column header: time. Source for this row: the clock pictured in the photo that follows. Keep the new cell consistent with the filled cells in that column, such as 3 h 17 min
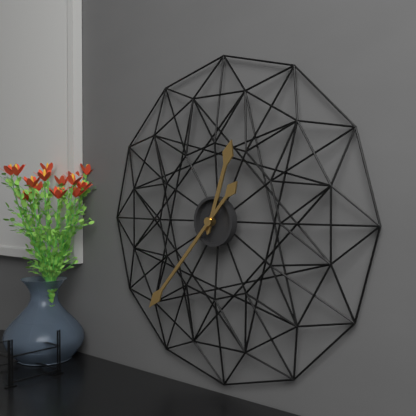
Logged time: 12 h 37 min
